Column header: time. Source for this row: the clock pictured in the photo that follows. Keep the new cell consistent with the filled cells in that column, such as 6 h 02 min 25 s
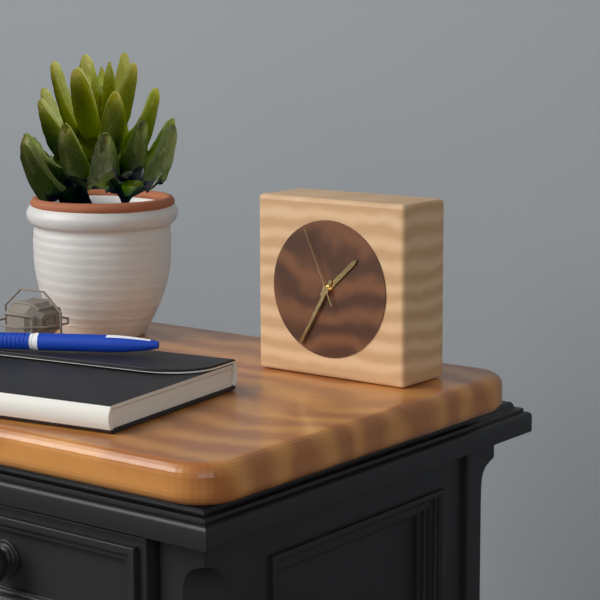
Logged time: 1 h 35 min 56 s
